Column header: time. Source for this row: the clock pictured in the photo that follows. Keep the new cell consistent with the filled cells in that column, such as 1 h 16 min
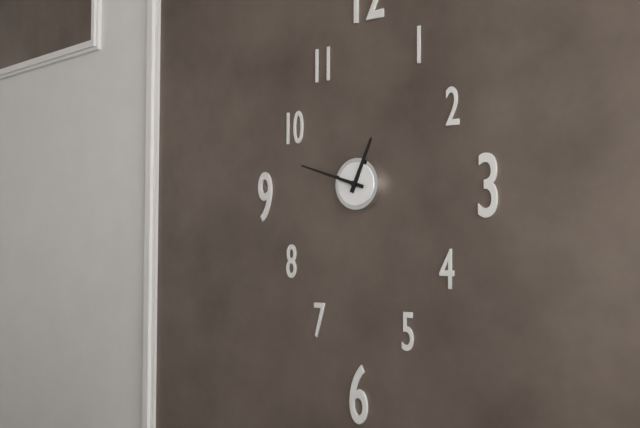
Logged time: 12 h 48 min
